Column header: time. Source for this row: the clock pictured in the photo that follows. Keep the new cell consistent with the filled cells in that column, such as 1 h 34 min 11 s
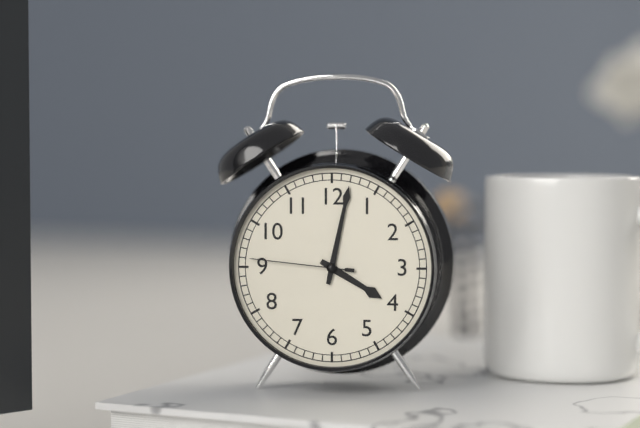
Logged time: 4 h 02 min 46 s
